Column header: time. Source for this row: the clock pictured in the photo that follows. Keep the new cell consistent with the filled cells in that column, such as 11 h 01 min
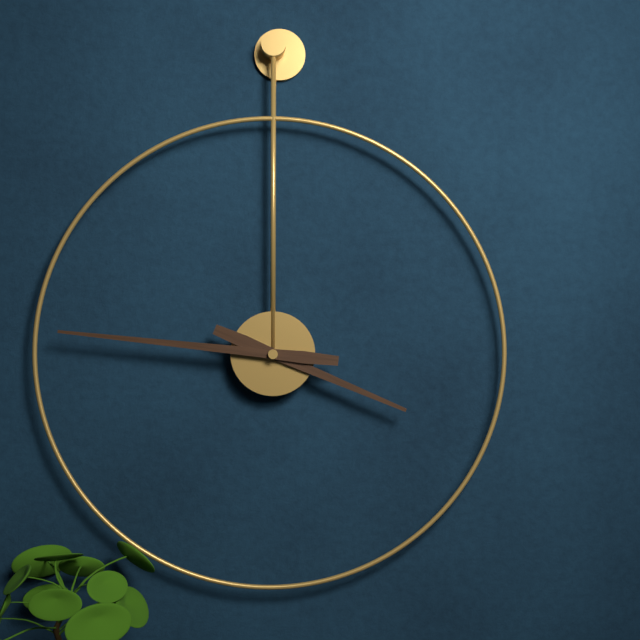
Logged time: 3 h 46 min
